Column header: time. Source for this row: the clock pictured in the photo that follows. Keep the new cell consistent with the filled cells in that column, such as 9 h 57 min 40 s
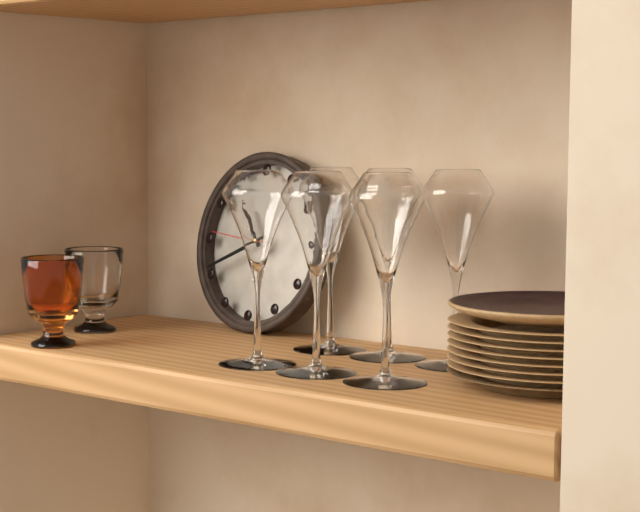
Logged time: 10 h 41 min 46 s
